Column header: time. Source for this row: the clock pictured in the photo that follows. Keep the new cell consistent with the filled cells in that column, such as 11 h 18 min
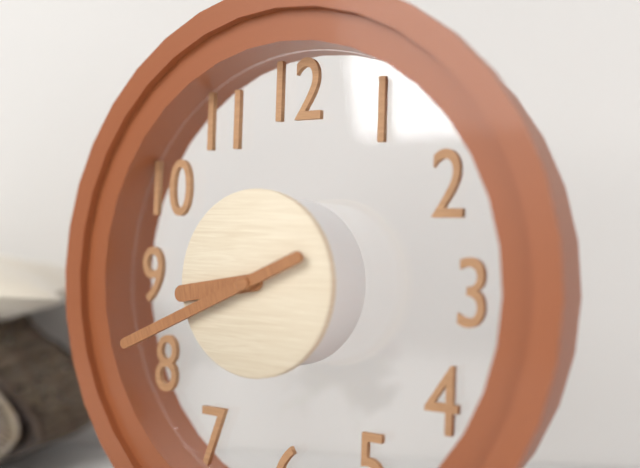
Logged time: 8 h 41 min
